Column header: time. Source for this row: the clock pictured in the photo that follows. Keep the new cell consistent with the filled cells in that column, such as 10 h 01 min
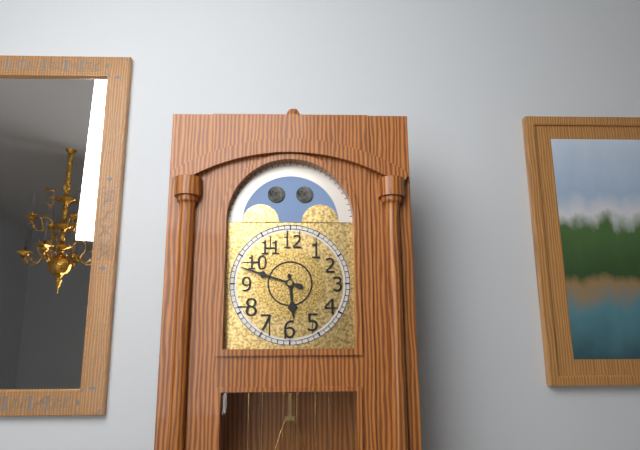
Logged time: 5 h 48 min
